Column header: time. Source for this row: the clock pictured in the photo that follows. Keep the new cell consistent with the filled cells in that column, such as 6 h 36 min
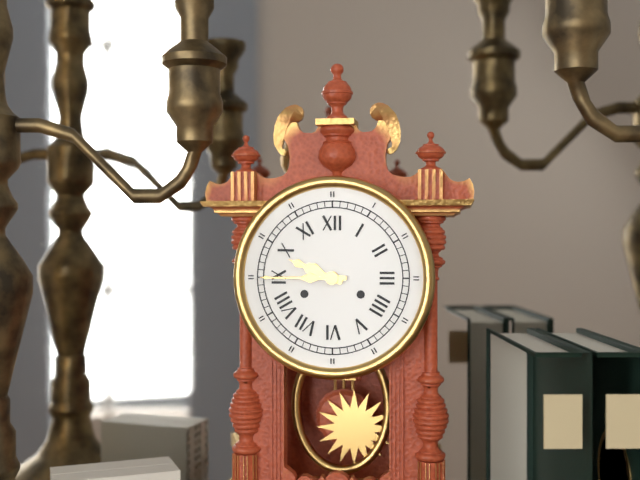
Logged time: 9 h 45 min
